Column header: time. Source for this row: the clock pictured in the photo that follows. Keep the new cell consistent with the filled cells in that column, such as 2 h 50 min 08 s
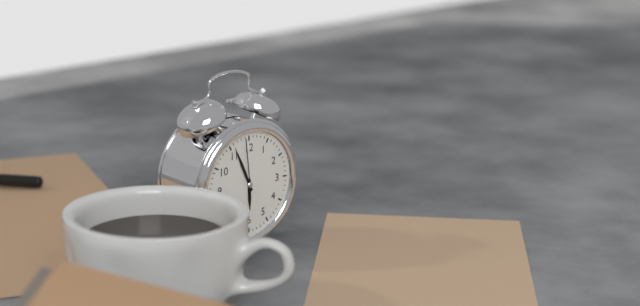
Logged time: 5 h 56 min 59 s
